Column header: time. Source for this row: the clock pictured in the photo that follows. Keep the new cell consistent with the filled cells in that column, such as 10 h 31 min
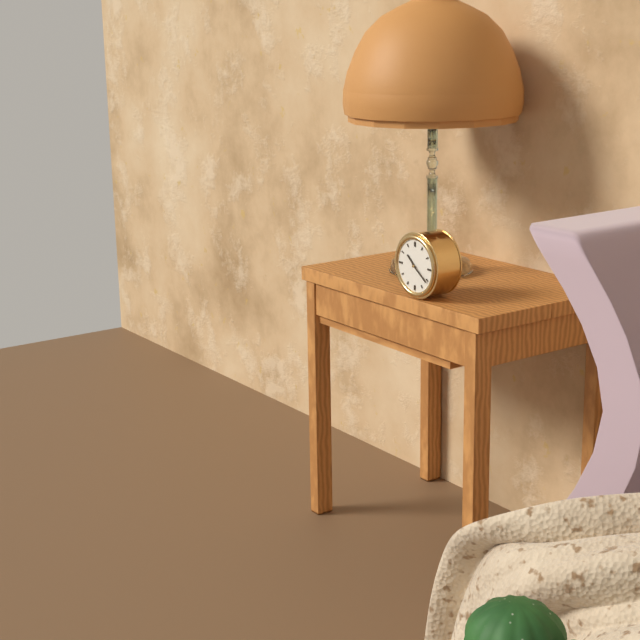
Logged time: 10 h 21 min
